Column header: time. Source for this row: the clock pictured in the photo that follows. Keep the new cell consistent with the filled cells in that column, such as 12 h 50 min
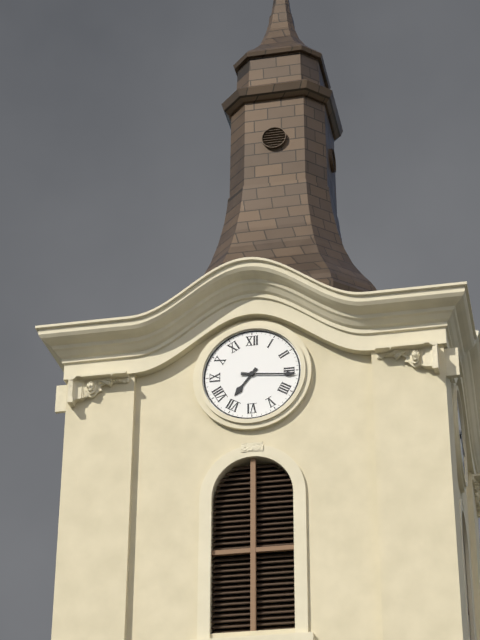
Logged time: 7 h 16 min
